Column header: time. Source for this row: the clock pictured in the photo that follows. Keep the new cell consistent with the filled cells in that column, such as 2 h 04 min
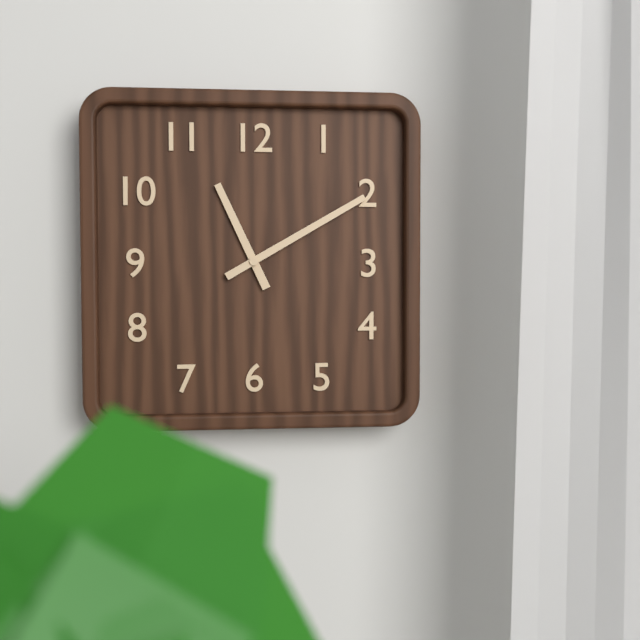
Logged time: 11 h 10 min
